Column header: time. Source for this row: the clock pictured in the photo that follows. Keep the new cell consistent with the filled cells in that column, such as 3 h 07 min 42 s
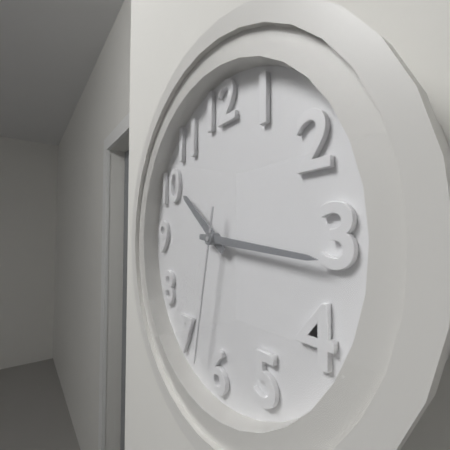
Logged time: 10 h 16 min 32 s
